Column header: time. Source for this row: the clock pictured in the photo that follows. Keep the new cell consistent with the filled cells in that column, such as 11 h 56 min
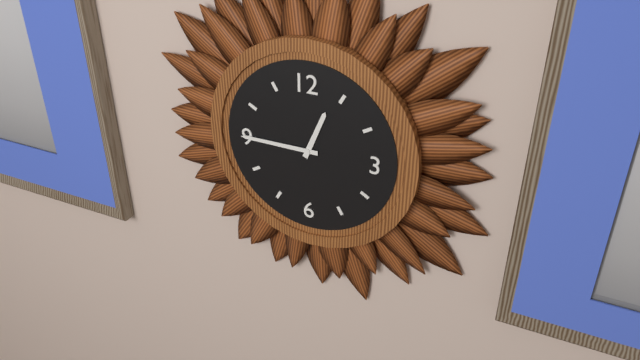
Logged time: 12 h 45 min
